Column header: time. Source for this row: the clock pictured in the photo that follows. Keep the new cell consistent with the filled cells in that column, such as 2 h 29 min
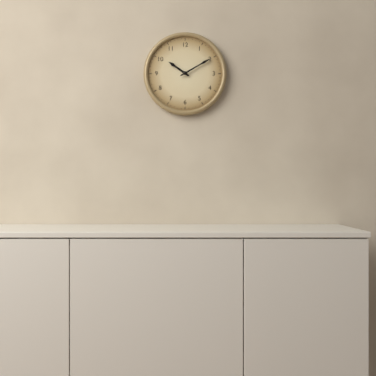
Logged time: 10 h 10 min
